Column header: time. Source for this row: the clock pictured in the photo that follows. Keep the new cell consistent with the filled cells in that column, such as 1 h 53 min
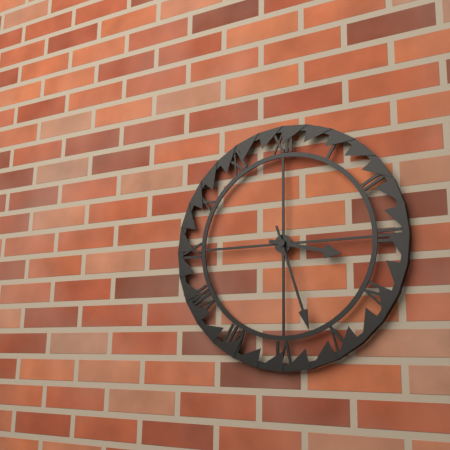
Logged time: 3 h 27 min
